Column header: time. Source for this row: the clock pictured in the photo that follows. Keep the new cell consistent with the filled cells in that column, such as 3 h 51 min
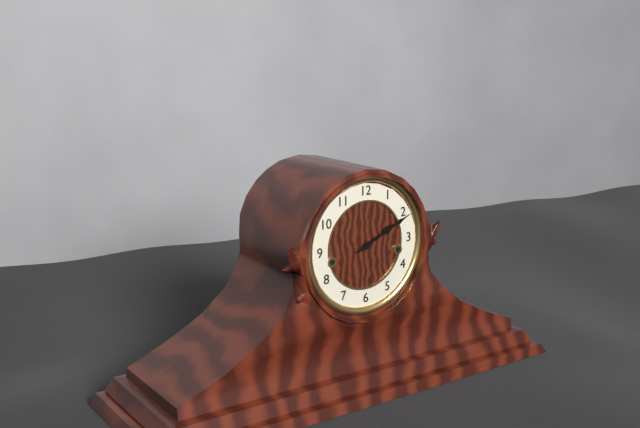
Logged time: 2 h 11 min
